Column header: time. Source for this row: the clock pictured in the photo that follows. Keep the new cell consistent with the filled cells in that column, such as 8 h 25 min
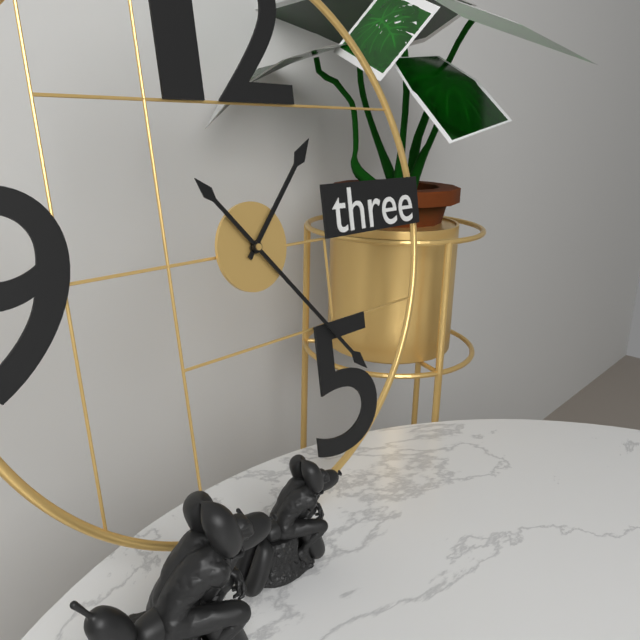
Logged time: 1 h 23 min
